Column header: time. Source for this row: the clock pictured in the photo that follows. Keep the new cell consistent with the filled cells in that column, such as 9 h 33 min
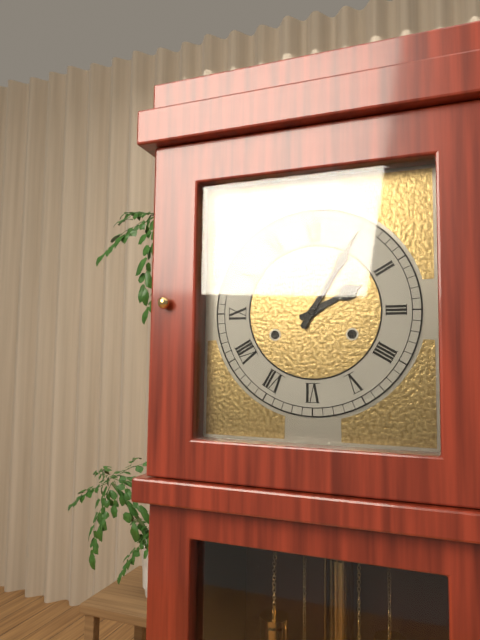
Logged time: 2 h 05 min
